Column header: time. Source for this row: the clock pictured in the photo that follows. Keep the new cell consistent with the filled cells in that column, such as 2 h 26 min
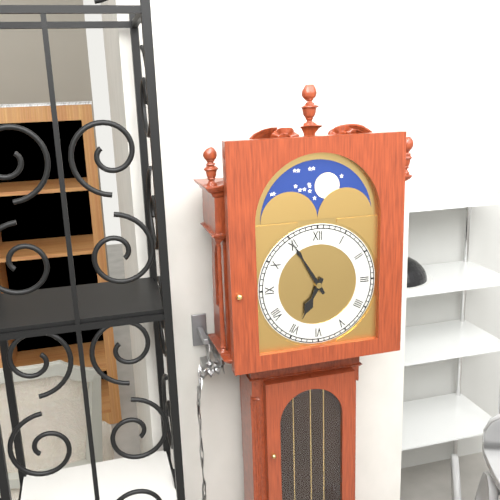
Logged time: 6 h 55 min
